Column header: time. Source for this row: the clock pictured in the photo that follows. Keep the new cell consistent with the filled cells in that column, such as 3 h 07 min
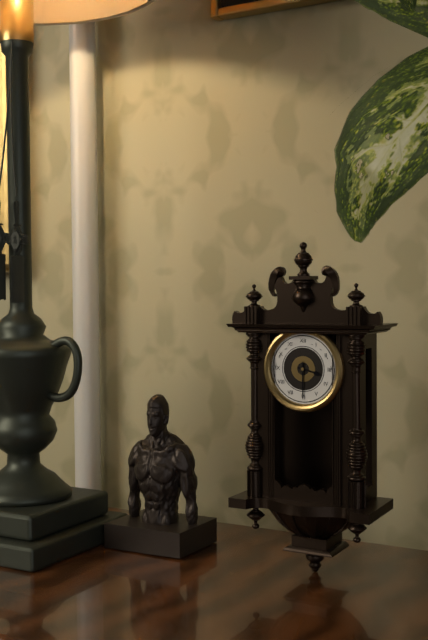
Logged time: 3 h 30 min
